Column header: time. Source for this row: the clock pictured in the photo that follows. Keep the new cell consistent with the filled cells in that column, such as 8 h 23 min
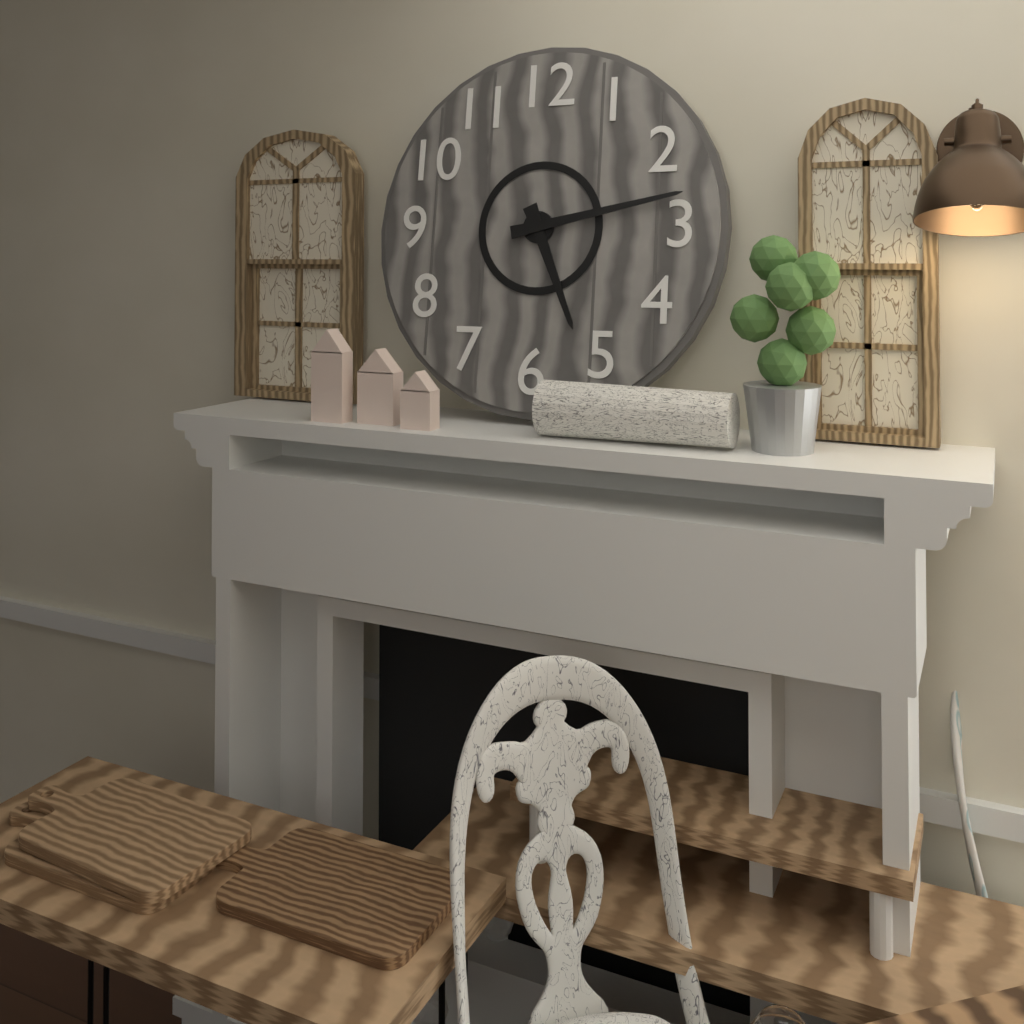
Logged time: 5 h 13 min
